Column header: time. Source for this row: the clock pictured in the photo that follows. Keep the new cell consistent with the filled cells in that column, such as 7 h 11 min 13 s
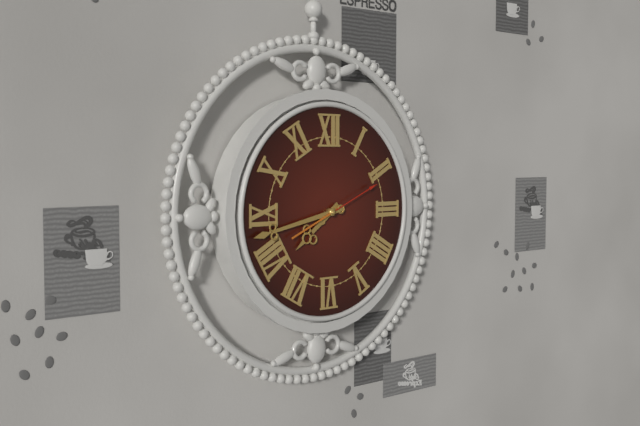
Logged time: 7 h 43 min 11 s
